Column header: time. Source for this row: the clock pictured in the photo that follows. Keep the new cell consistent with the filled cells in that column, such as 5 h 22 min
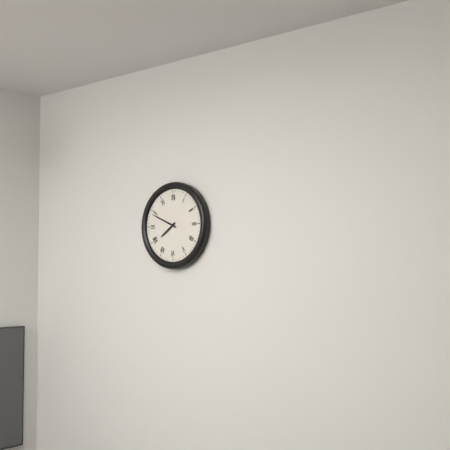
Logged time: 7 h 49 min
